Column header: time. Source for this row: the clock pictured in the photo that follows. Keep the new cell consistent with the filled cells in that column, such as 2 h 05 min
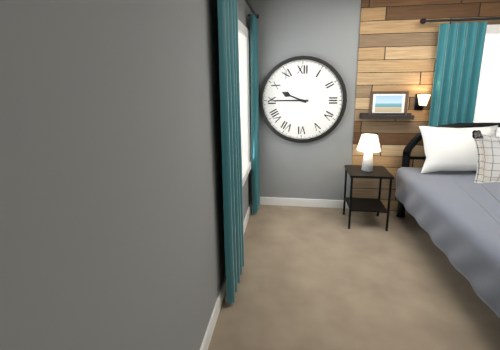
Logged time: 9 h 45 min
